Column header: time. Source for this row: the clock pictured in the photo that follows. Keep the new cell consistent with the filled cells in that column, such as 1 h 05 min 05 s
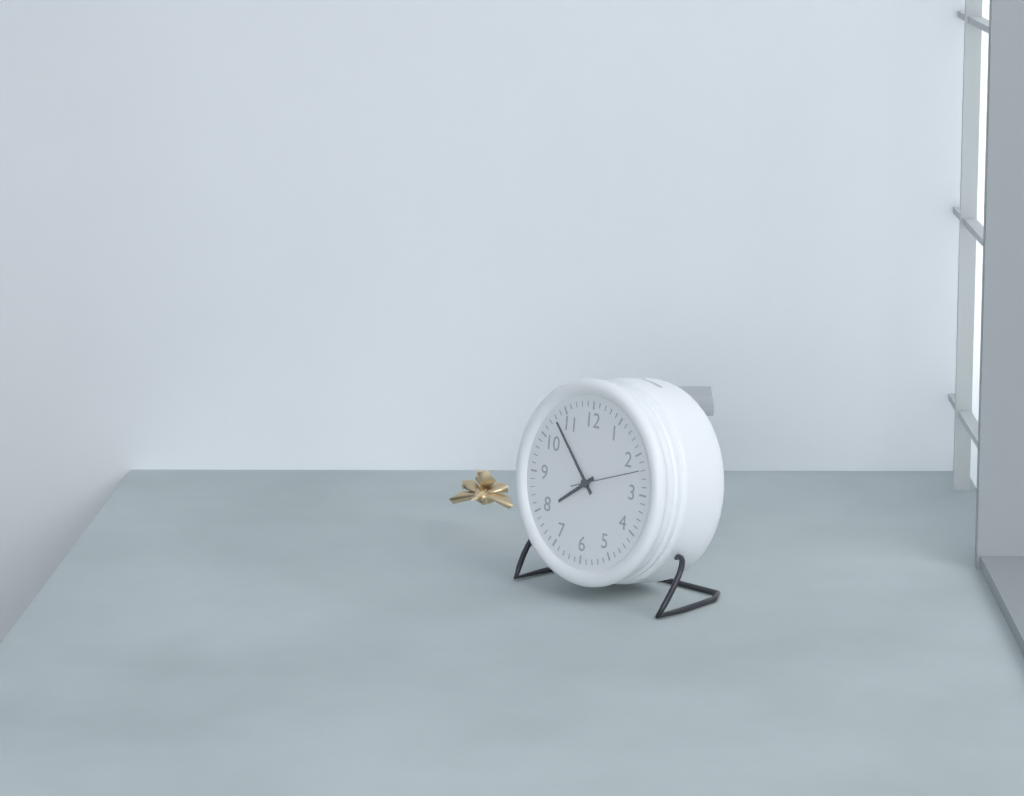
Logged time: 7 h 53 min 12 s
